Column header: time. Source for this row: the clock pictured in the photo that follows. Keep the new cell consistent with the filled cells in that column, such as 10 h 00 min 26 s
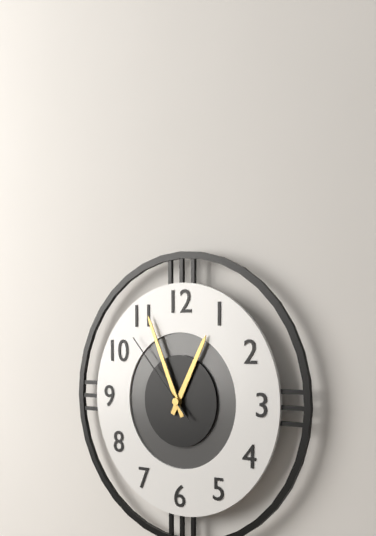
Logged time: 12 h 56 min 53 s
